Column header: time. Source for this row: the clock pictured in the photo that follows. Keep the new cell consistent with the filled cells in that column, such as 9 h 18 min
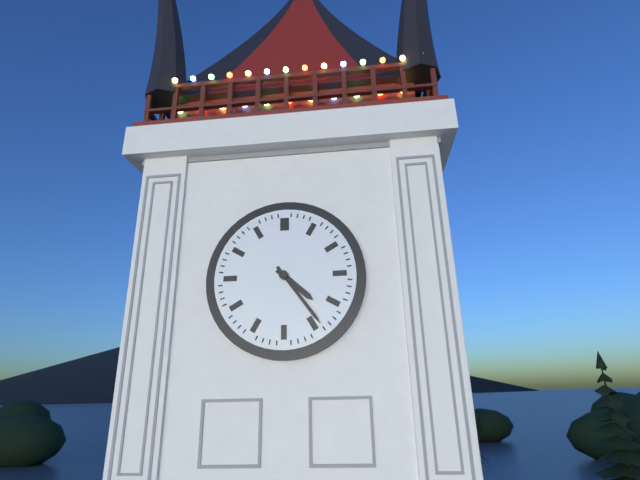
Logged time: 4 h 24 min
